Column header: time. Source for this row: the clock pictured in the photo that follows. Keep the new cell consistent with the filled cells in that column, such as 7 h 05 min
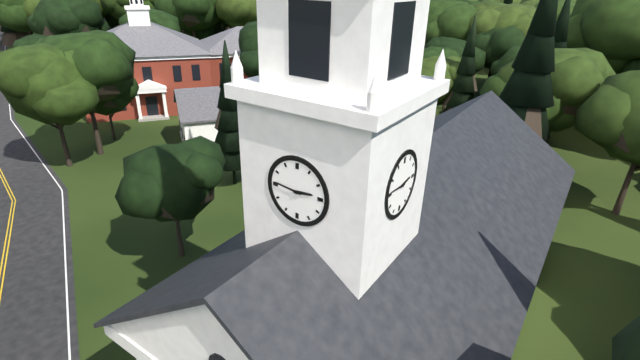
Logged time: 2 h 46 min
